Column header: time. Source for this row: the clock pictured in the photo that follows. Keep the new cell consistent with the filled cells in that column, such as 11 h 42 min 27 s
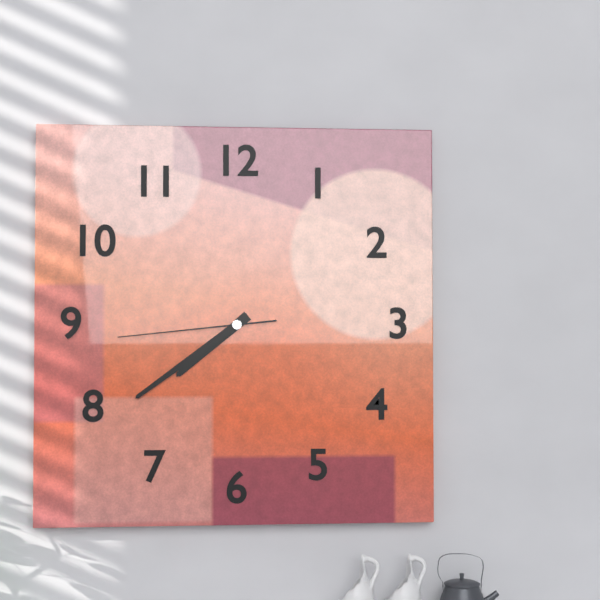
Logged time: 7 h 39 min 44 s
